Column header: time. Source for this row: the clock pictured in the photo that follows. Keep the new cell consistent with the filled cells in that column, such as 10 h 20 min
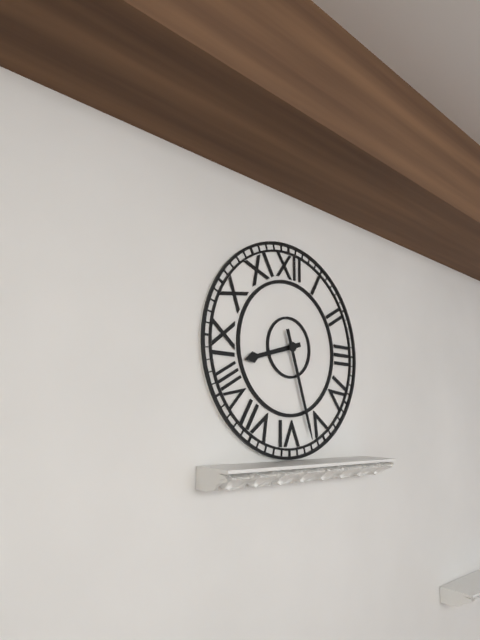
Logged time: 8 h 27 min
